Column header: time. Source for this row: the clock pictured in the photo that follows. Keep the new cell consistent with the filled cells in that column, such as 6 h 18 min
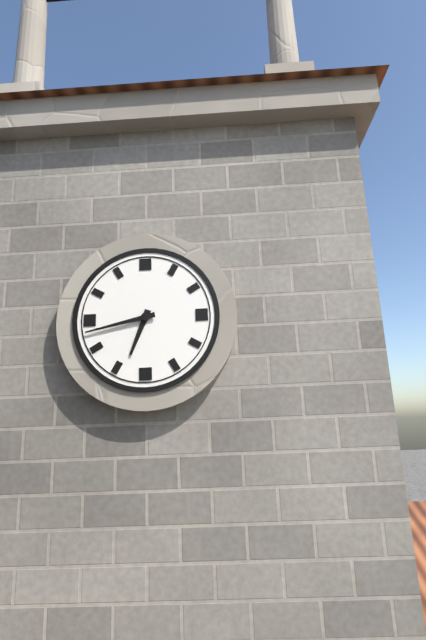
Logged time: 6 h 43 min
